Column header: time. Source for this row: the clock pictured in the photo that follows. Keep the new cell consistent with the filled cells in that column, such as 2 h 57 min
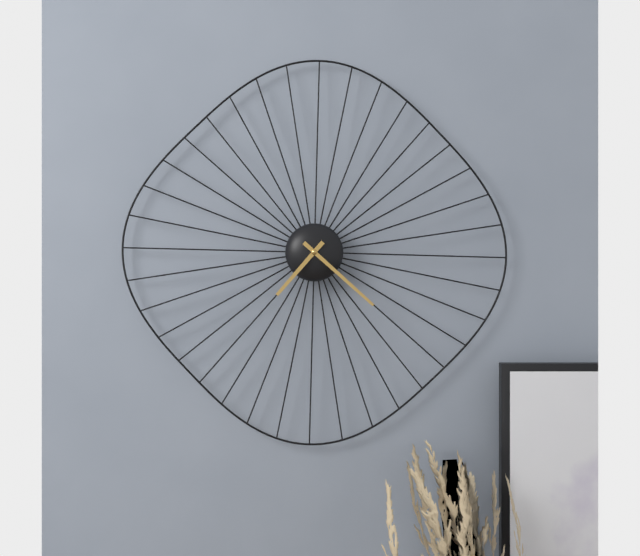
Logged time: 7 h 22 min
